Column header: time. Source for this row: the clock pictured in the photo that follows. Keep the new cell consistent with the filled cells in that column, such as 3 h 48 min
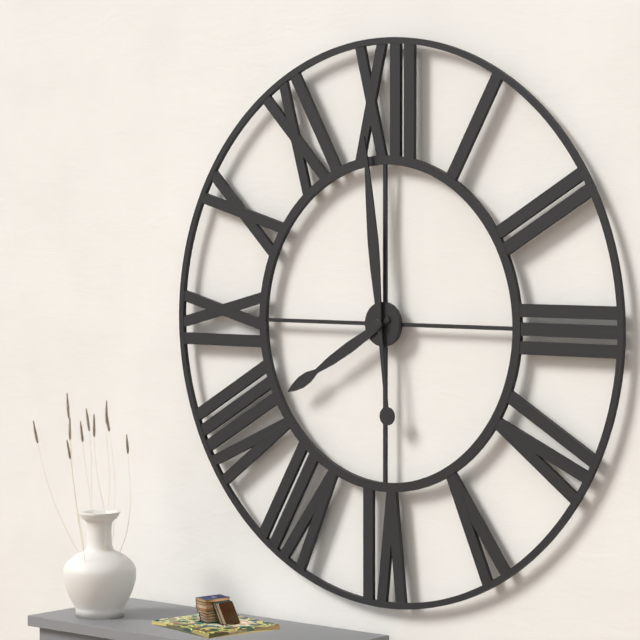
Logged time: 7 h 59 min
